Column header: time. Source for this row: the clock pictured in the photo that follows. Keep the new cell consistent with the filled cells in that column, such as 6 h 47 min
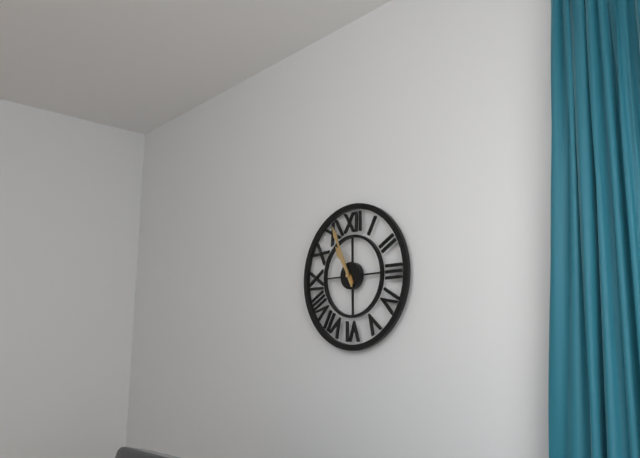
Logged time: 10 h 56 min
